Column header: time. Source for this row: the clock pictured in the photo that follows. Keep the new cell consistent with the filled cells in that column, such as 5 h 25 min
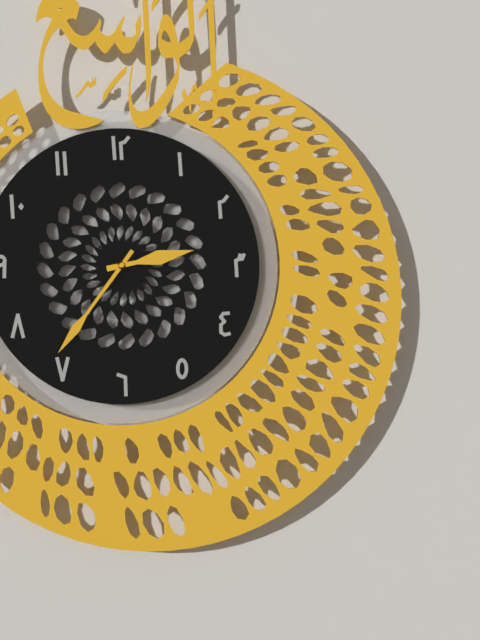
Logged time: 2 h 36 min
